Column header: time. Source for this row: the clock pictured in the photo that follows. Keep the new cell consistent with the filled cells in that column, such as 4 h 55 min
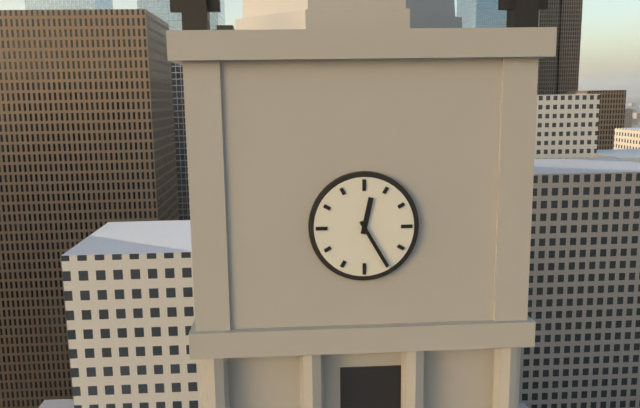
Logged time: 12 h 25 min
